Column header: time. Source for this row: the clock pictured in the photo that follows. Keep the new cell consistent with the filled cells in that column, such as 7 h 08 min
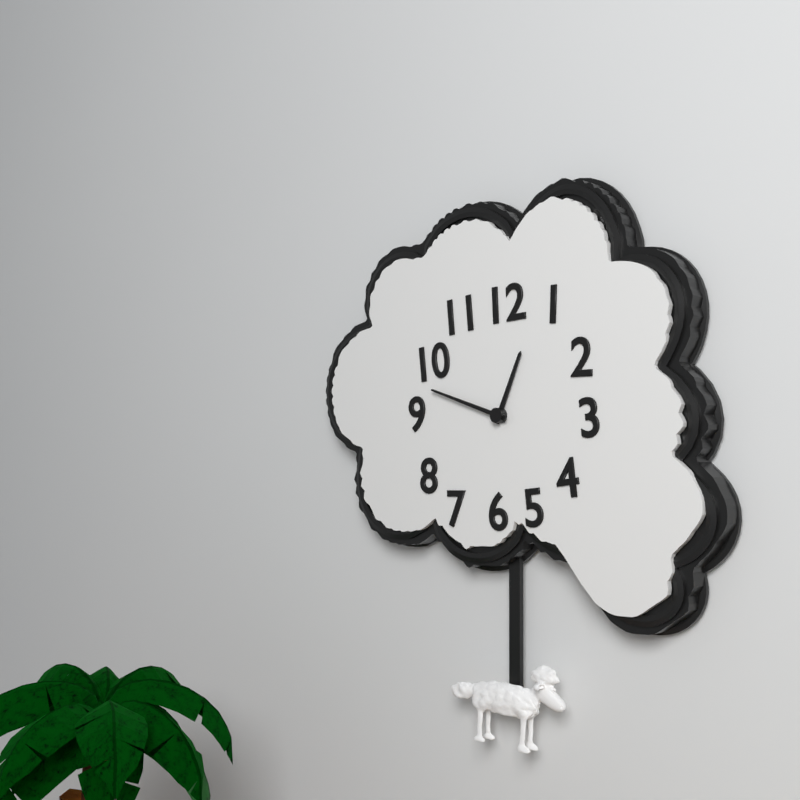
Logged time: 12 h 48 min
